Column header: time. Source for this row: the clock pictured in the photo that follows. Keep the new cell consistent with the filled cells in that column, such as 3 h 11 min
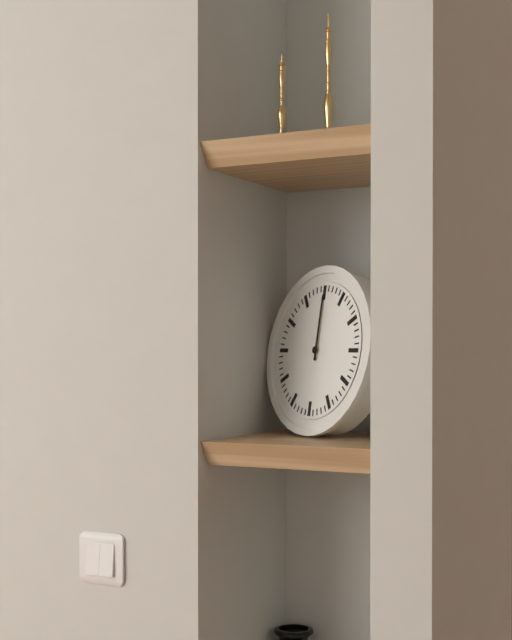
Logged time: 12 h 00 min
